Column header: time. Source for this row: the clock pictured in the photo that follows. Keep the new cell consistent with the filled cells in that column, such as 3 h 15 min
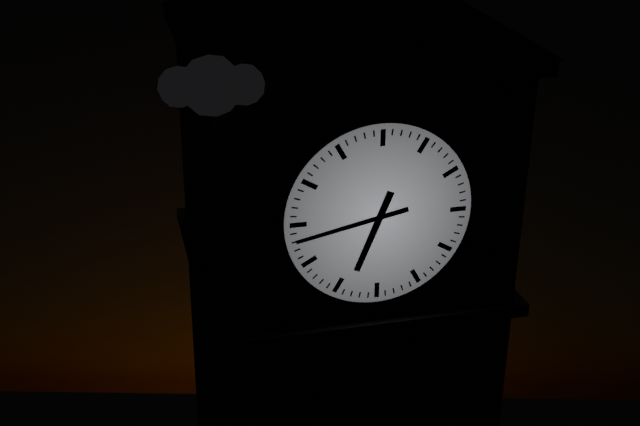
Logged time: 6 h 43 min
